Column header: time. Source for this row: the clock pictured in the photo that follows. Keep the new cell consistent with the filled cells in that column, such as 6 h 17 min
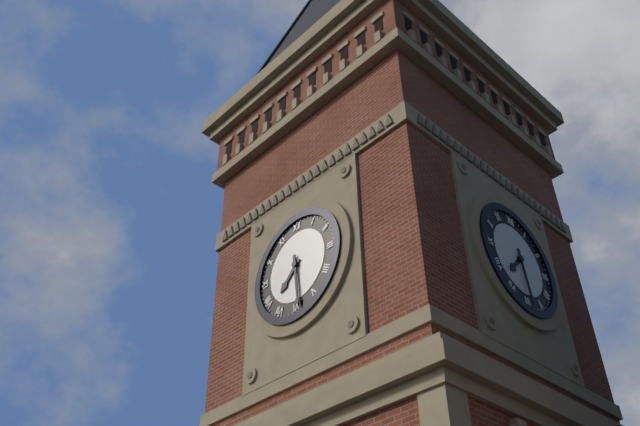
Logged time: 7 h 29 min
